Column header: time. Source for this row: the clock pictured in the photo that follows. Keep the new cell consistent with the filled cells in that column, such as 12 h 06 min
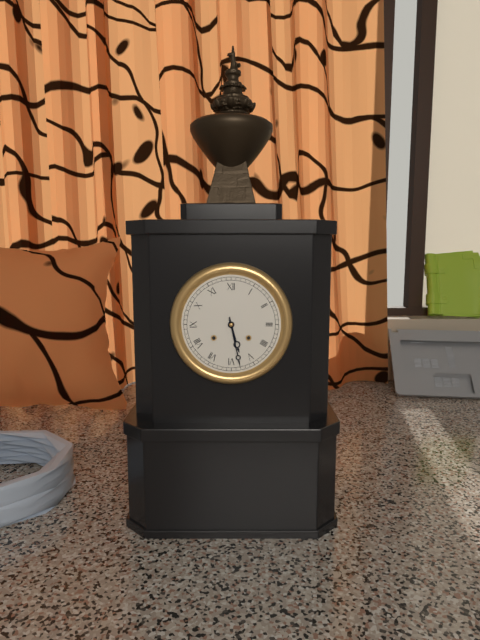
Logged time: 5 h 28 min
